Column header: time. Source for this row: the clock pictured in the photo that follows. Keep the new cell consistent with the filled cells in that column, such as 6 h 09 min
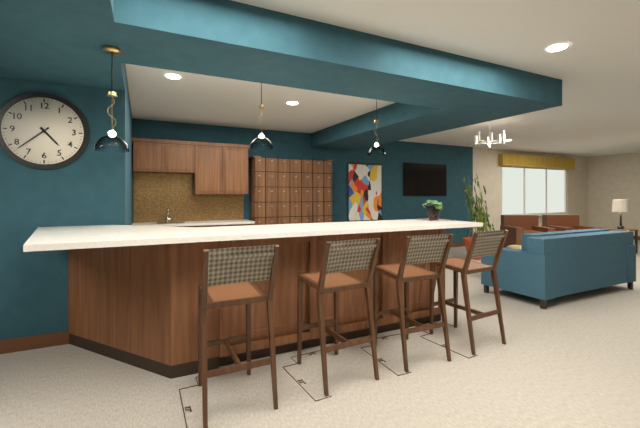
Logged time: 4 h 38 min
